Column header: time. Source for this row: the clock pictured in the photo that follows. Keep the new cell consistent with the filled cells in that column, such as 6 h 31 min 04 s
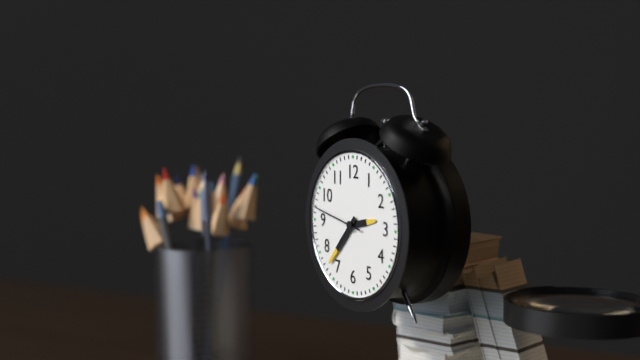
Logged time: 2 h 37 min 47 s
